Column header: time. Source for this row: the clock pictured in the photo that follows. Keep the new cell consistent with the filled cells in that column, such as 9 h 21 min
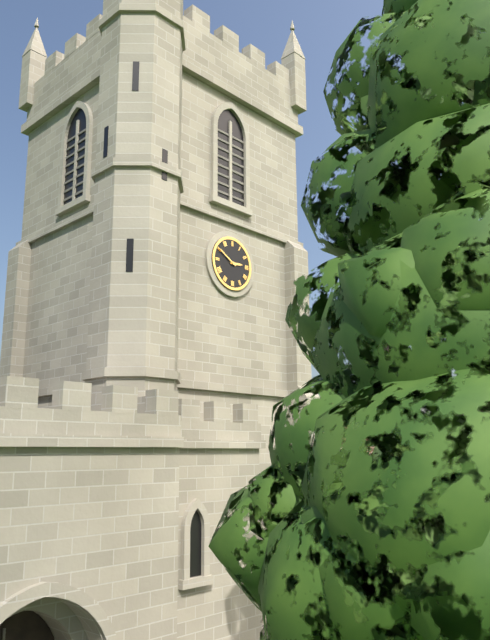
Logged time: 2 h 50 min
